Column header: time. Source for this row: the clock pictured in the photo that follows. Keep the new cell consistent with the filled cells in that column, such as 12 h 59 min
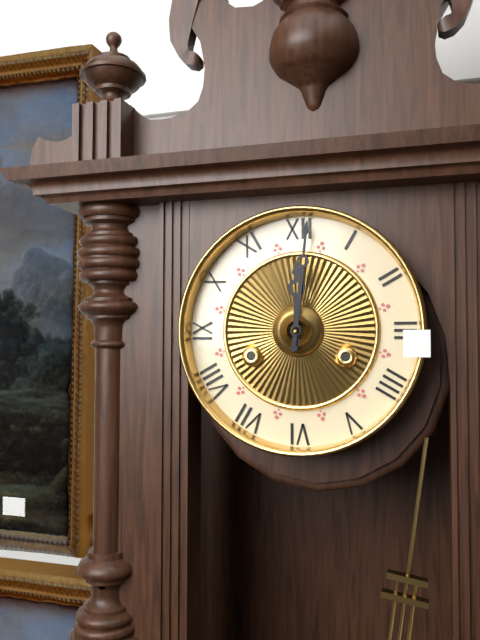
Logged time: 12 h 01 min
